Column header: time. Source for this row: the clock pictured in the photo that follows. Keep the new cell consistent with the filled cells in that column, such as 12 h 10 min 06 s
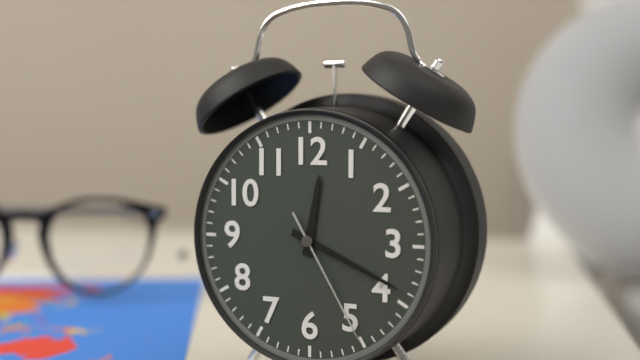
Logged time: 12 h 19 min 25 s
